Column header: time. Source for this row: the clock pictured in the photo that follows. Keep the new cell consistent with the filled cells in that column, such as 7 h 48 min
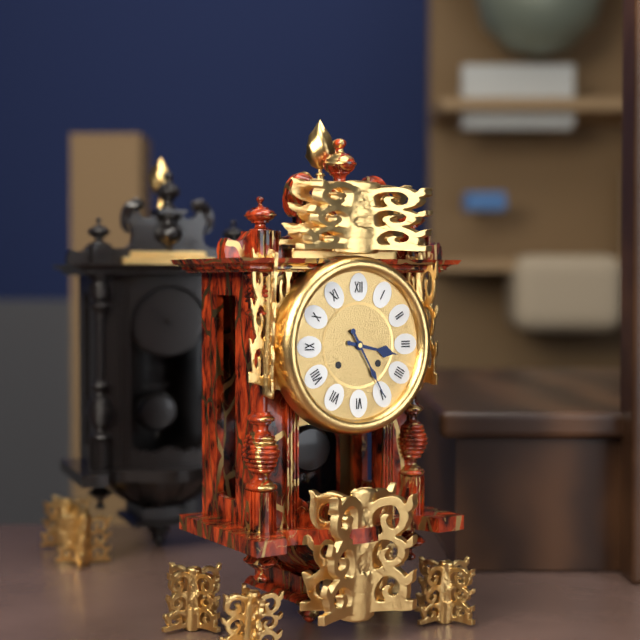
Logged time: 3 h 25 min
